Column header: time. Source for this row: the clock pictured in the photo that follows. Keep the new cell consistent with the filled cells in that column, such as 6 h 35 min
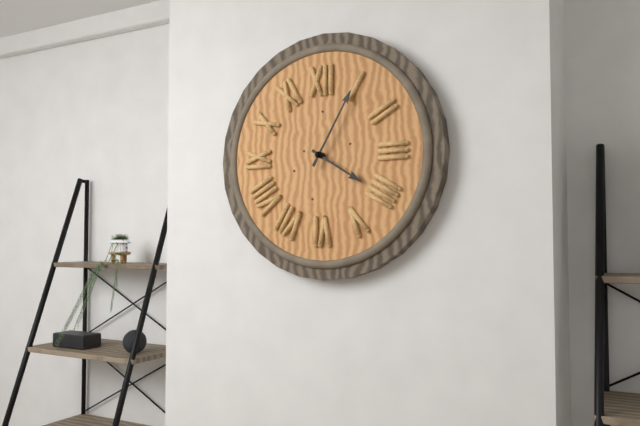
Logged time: 4 h 05 min
